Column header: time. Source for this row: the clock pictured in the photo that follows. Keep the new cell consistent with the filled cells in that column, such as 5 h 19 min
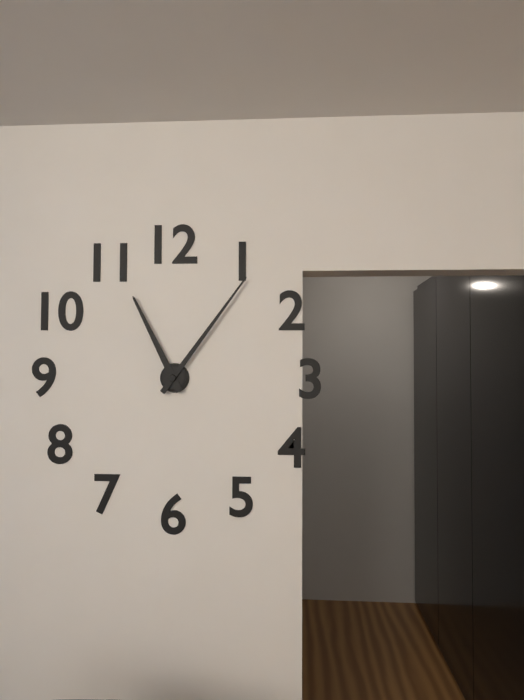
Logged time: 11 h 06 min
